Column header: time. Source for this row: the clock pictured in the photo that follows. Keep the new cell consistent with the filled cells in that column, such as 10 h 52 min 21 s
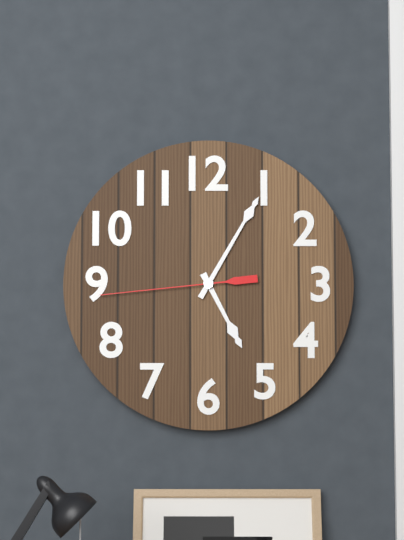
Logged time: 5 h 05 min 44 s
